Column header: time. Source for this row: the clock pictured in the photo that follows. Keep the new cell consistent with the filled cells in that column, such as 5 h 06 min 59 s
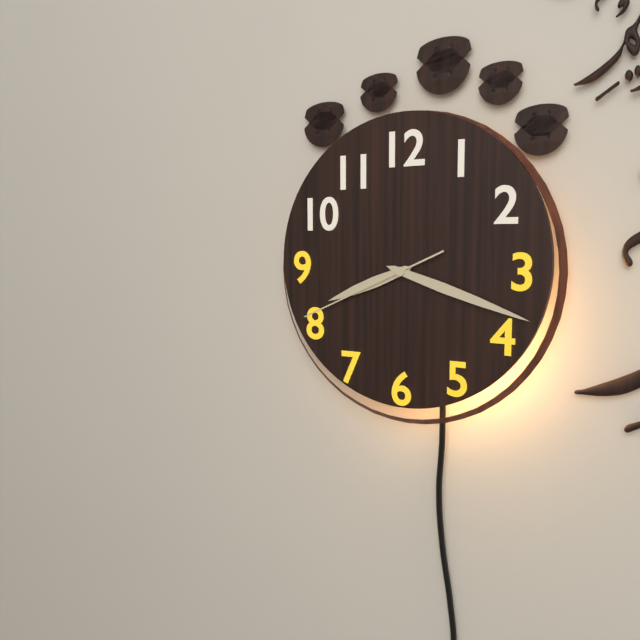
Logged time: 8 h 18 min 41 s
